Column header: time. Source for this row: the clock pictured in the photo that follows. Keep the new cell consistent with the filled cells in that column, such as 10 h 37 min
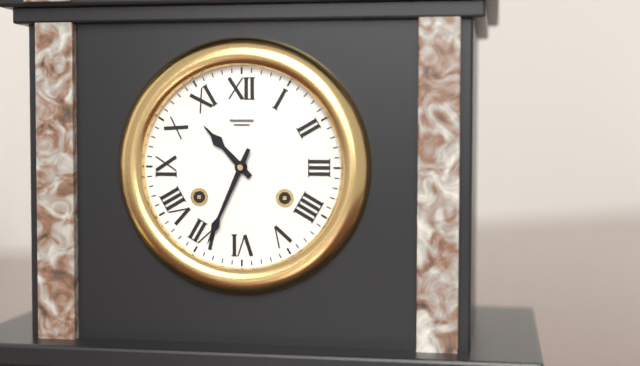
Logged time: 10 h 34 min
